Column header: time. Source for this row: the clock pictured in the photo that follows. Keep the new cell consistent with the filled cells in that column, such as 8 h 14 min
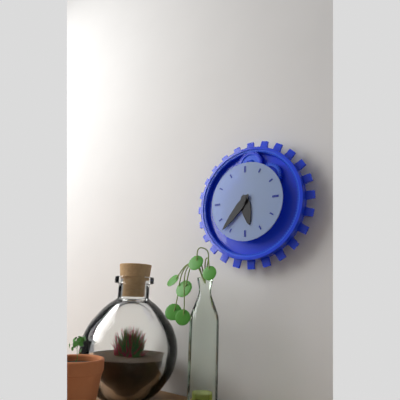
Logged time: 5 h 37 min
